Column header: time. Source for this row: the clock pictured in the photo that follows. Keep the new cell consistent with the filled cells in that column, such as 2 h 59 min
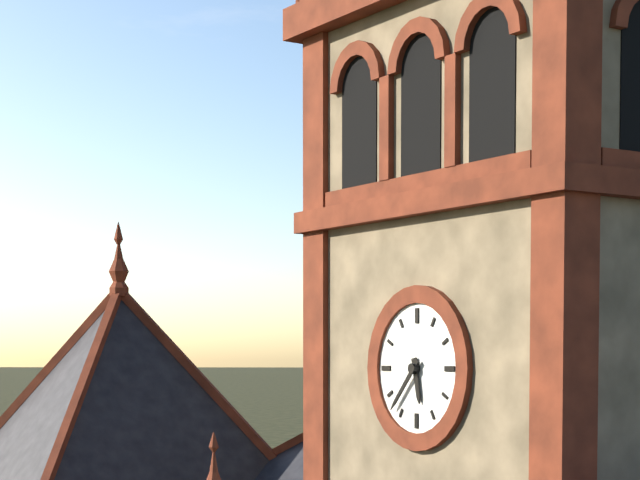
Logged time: 5 h 37 min
